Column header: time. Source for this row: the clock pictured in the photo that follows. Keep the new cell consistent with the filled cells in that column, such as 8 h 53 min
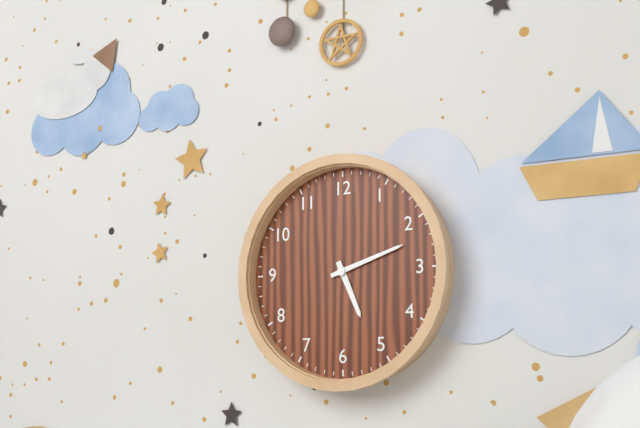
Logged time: 5 h 12 min
